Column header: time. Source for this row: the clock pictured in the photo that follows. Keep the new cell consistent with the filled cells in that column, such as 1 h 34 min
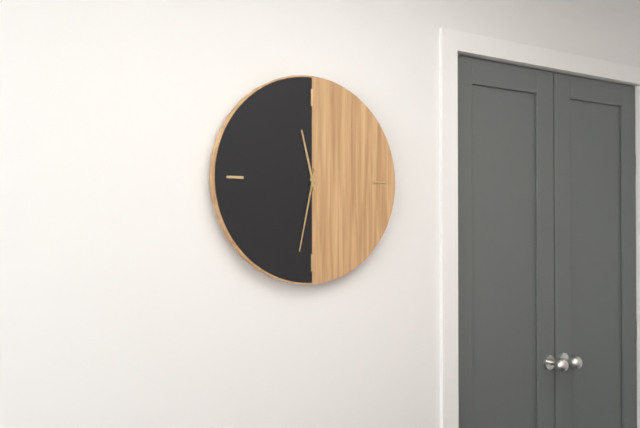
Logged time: 11 h 32 min
